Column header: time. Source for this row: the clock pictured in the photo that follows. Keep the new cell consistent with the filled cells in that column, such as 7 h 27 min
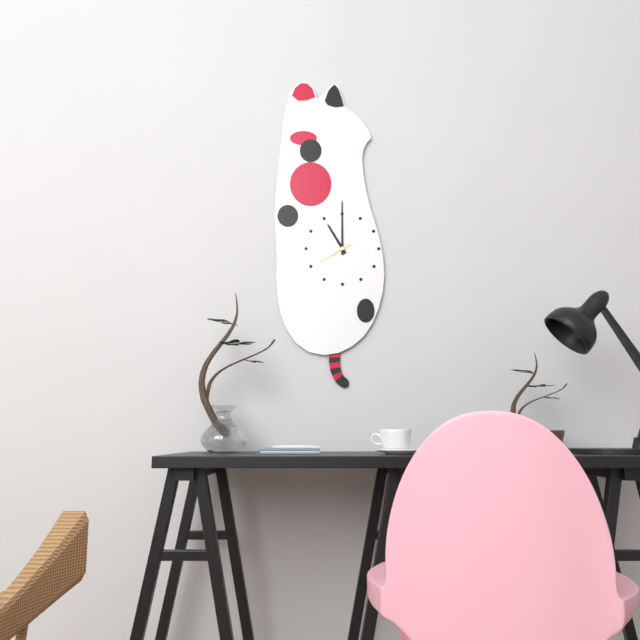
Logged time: 11 h 00 min
